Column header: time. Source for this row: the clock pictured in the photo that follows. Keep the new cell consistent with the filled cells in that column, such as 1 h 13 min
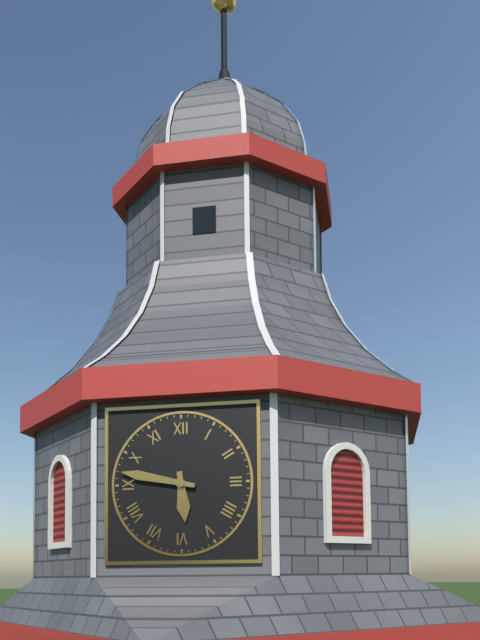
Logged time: 5 h 47 min
